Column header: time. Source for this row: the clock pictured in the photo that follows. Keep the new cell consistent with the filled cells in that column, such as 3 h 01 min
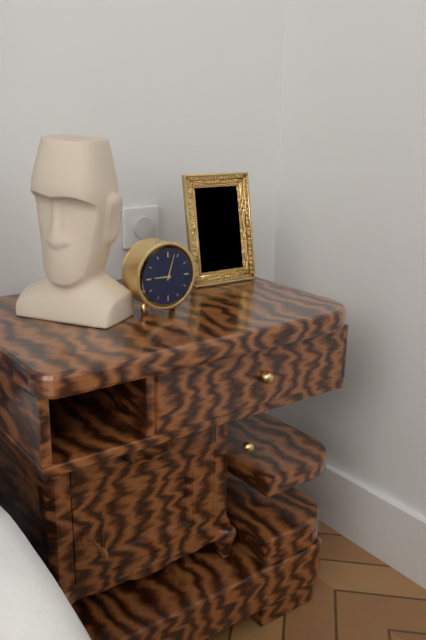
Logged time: 9 h 03 min
